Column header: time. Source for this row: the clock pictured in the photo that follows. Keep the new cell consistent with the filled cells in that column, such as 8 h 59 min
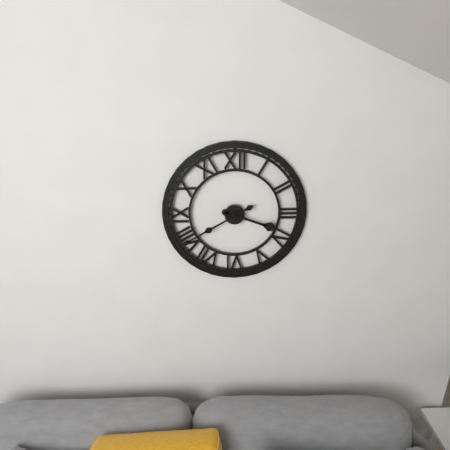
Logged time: 3 h 40 min
